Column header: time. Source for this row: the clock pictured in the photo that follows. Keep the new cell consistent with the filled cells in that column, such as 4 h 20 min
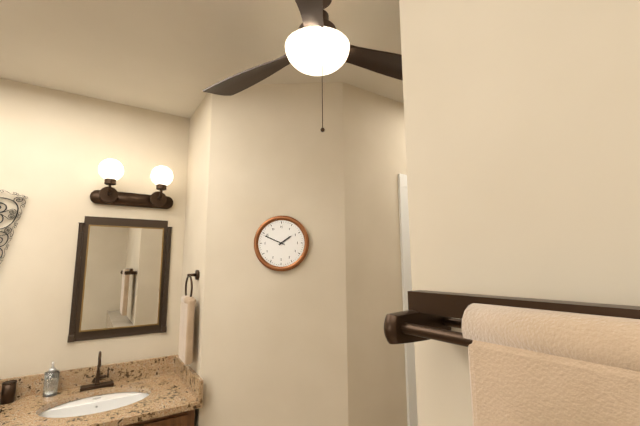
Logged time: 1 h 49 min
